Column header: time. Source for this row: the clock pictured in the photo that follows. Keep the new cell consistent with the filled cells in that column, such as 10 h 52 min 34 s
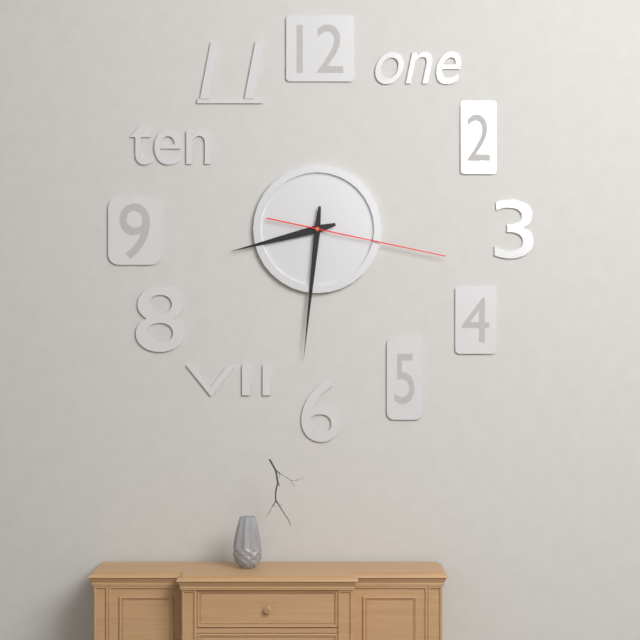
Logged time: 8 h 31 min 17 s
